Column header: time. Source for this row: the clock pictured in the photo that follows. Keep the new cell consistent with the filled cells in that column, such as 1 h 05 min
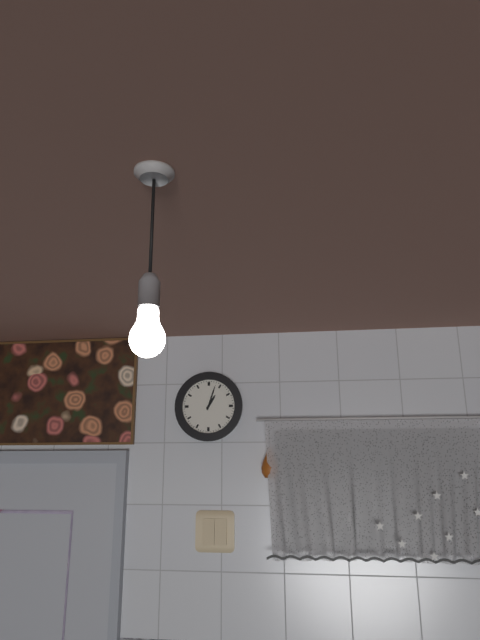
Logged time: 1 h 03 min
